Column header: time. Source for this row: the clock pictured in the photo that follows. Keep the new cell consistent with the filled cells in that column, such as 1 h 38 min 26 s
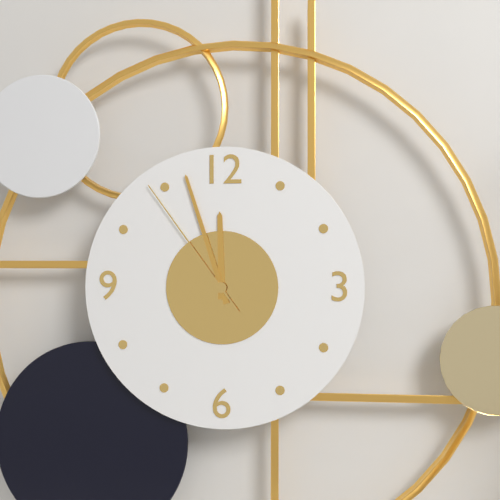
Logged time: 11 h 57 min 54 s
